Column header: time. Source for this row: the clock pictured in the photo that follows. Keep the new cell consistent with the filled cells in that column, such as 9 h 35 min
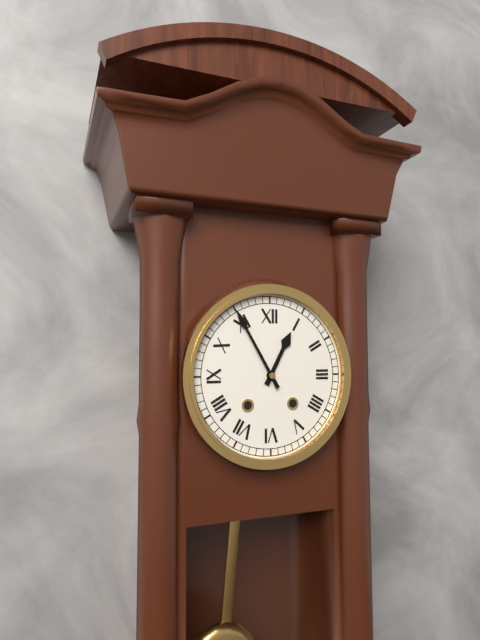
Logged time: 12 h 55 min
